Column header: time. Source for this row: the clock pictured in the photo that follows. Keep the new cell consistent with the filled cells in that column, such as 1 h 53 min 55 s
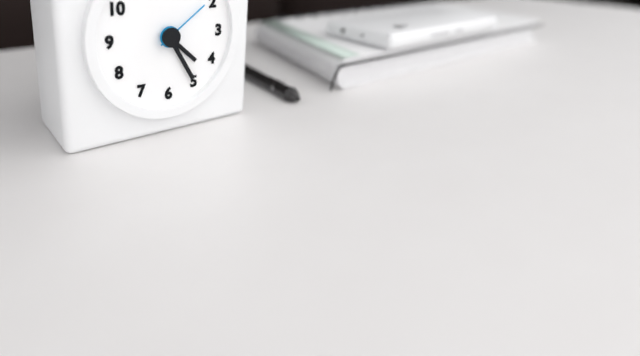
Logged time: 4 h 25 min 09 s
